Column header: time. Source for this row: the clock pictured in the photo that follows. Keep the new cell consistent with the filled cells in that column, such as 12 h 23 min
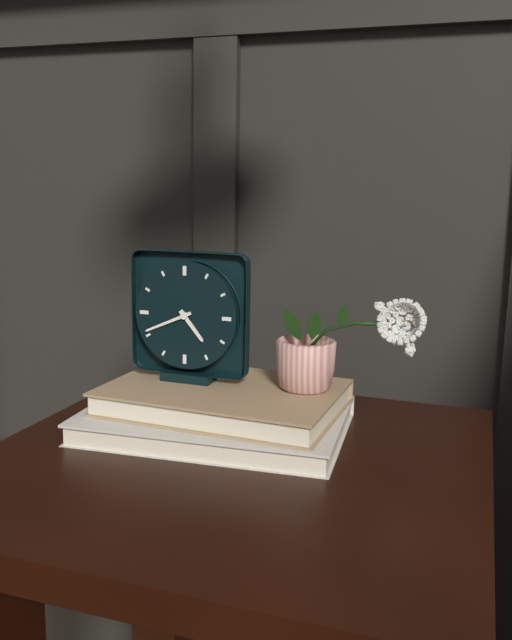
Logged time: 4 h 41 min
